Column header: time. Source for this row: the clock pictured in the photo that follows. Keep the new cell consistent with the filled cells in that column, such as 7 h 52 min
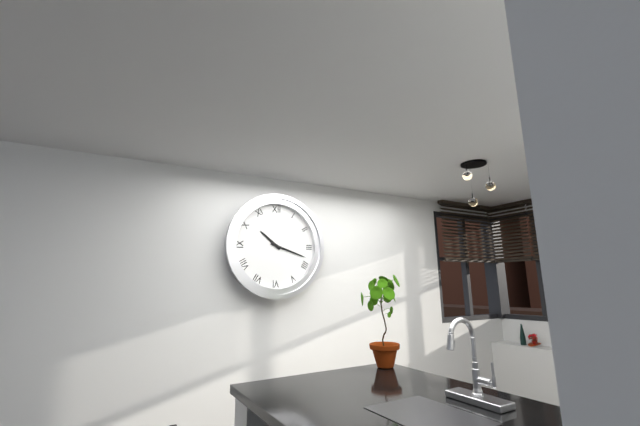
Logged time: 10 h 18 min
